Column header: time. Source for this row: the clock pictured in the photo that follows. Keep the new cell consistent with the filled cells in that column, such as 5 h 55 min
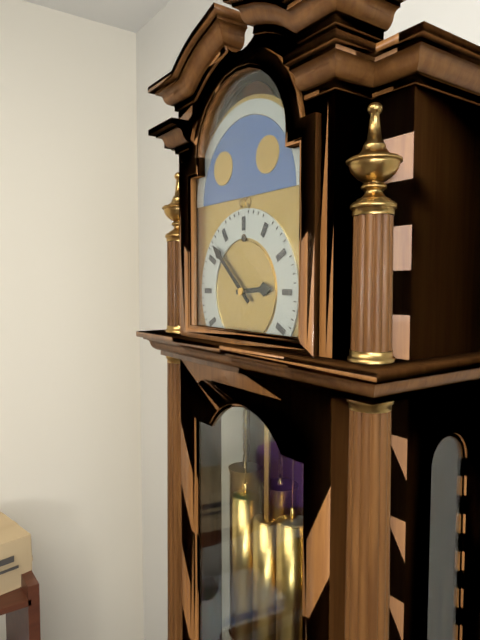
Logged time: 2 h 52 min
